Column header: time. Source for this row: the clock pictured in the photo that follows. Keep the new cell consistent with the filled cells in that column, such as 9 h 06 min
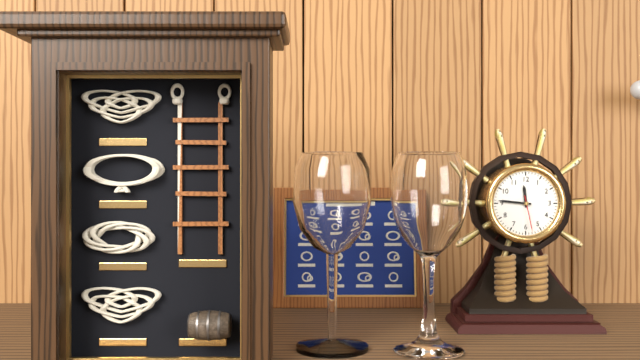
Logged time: 11 h 46 min
